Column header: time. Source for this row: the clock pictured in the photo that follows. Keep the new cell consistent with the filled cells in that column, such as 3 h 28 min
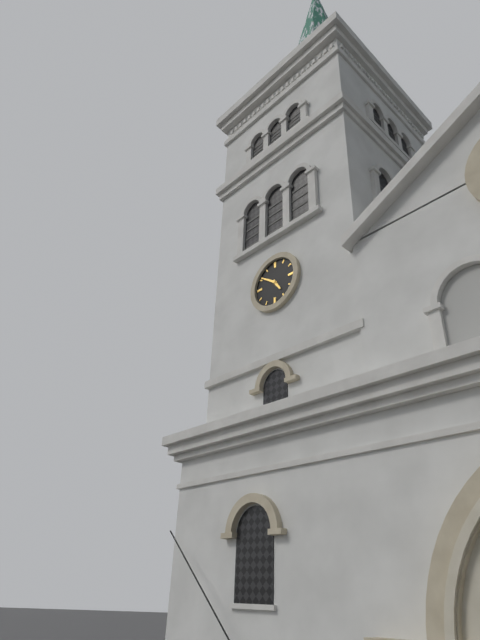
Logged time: 4 h 51 min
